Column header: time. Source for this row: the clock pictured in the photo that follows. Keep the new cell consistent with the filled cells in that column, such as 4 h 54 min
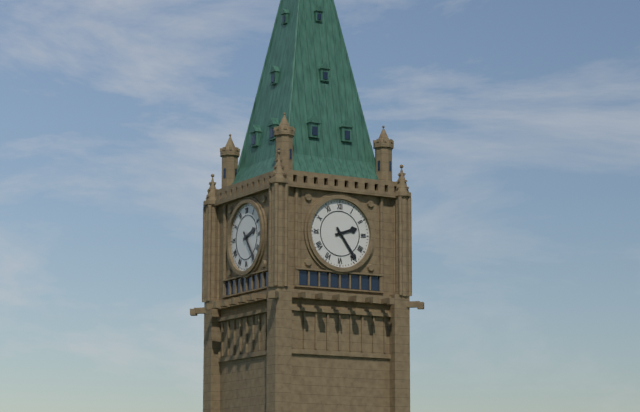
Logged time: 2 h 24 min
